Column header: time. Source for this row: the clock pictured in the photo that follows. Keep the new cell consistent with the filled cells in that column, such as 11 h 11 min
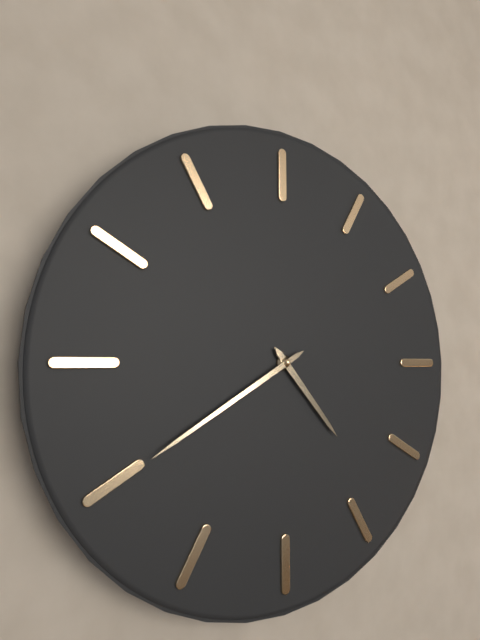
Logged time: 4 h 40 min
